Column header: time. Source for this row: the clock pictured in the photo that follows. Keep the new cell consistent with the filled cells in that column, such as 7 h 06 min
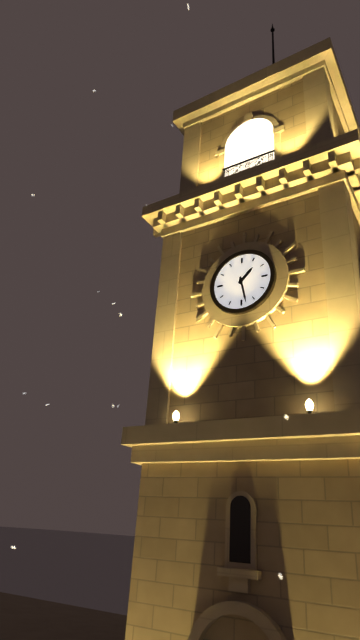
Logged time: 1 h 28 min
